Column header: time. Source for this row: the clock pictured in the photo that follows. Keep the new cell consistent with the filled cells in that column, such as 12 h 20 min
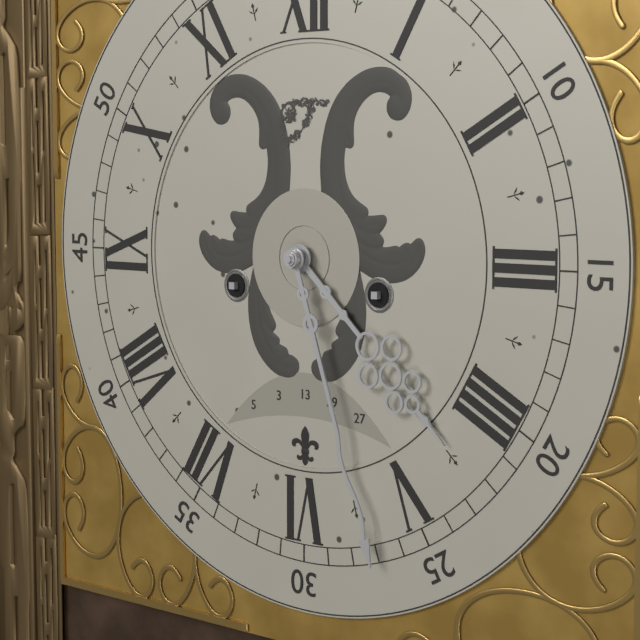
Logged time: 4 h 27 min
